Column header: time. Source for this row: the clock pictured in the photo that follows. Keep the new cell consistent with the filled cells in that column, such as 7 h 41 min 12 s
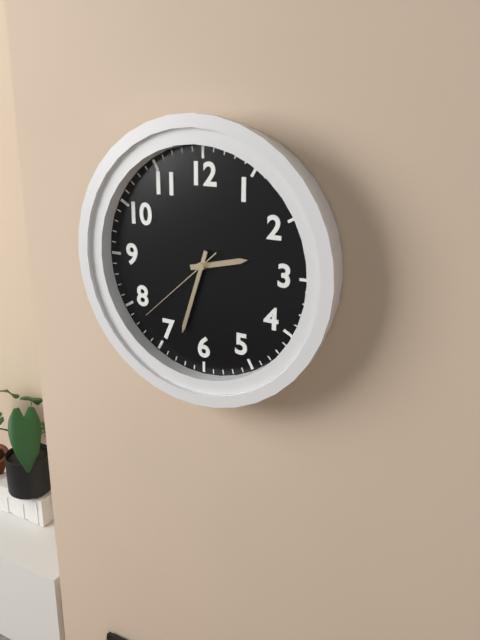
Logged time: 2 h 33 min 38 s
